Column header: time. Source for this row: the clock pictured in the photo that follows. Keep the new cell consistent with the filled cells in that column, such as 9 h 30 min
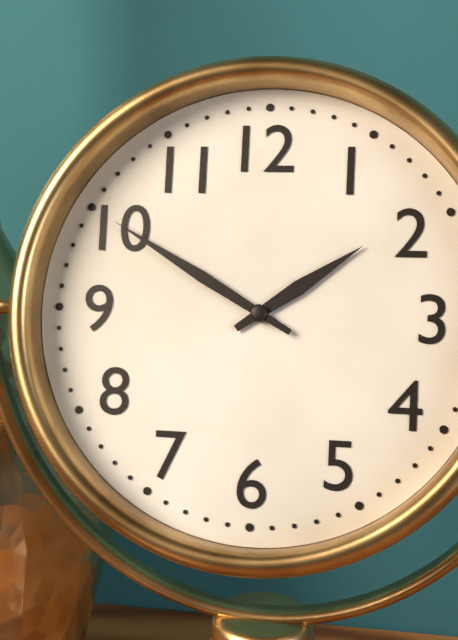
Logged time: 1 h 50 min
